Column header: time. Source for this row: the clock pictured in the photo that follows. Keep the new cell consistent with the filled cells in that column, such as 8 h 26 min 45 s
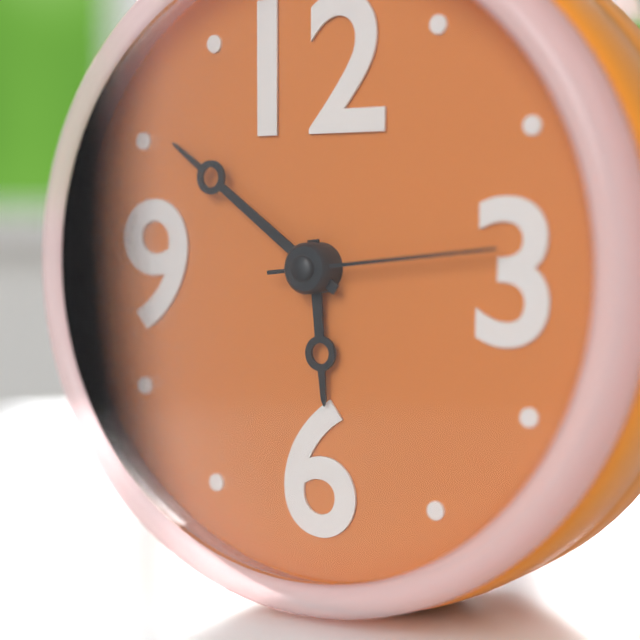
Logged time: 5 h 51 min 14 s
